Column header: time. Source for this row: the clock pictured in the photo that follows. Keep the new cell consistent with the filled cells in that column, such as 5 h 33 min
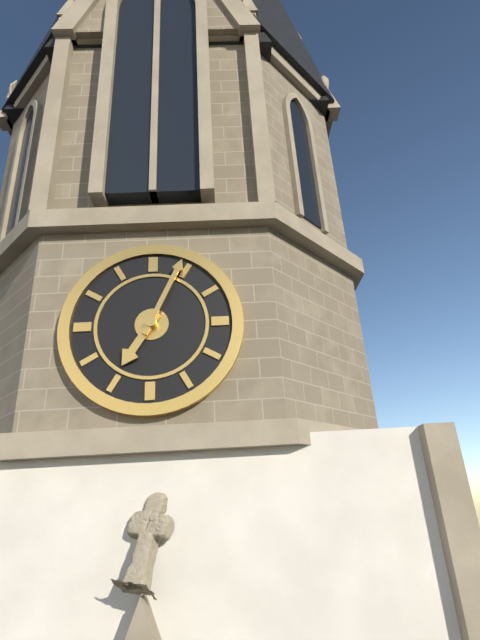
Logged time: 7 h 04 min
